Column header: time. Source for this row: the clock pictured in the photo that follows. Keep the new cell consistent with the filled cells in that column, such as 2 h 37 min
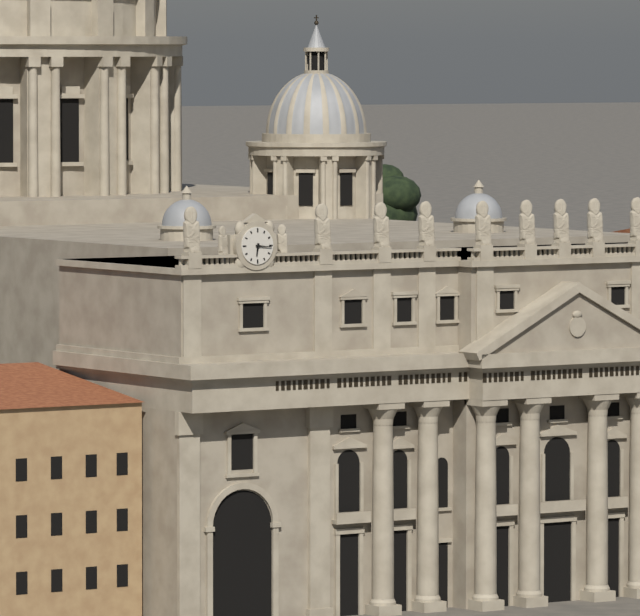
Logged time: 6 h 16 min
